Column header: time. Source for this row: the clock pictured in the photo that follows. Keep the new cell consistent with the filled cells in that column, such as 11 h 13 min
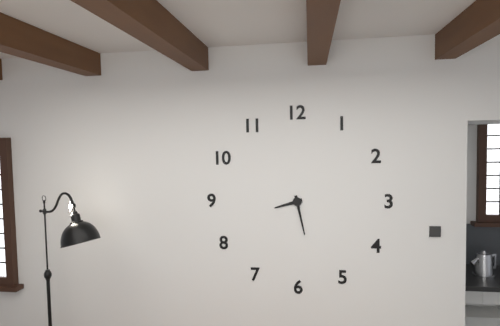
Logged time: 8 h 28 min
